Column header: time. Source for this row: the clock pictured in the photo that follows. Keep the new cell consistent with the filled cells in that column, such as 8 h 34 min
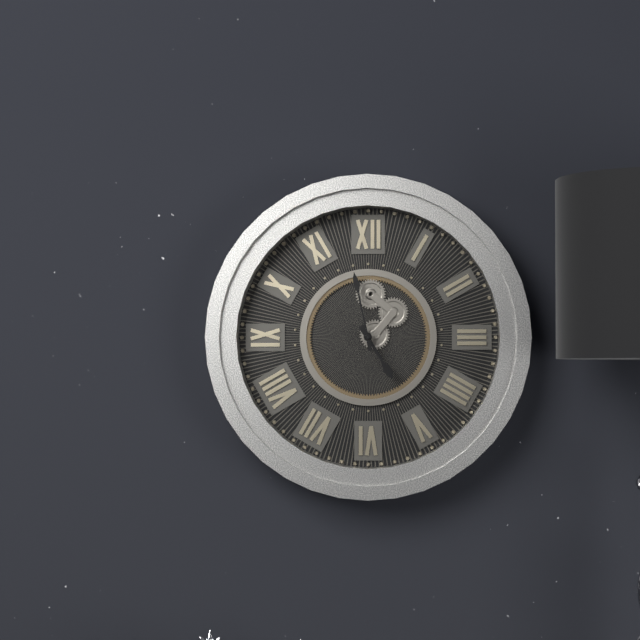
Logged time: 4 h 58 min
